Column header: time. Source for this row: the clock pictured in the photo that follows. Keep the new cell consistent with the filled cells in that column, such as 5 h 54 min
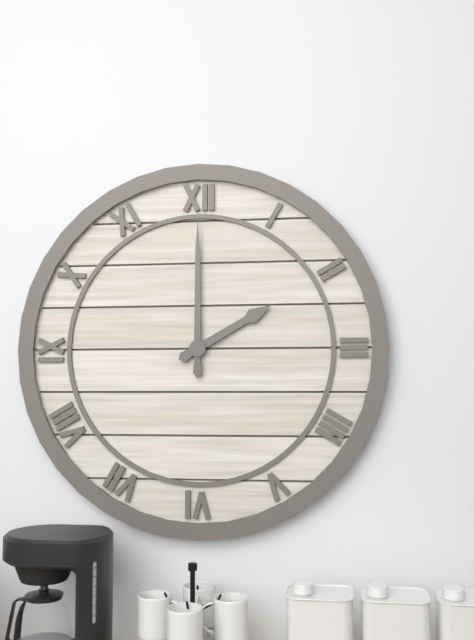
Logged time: 2 h 00 min
